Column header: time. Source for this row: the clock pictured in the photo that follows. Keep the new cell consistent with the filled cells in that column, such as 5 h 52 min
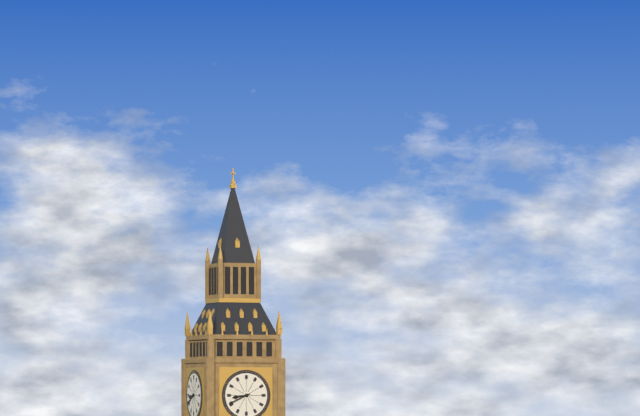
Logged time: 8 h 41 min
